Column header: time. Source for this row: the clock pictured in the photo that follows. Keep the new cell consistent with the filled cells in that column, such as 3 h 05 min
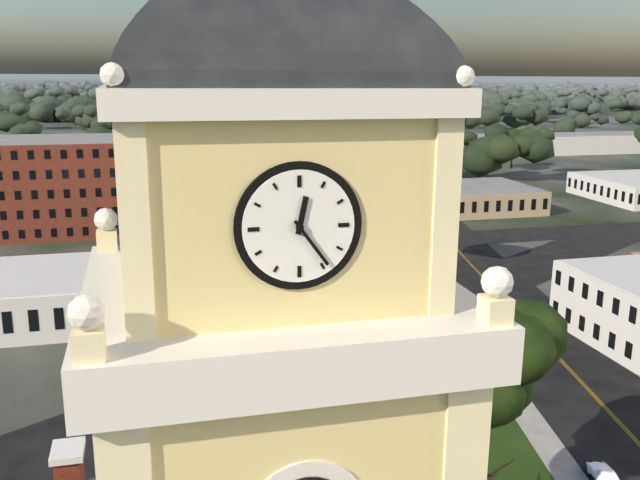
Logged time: 12 h 24 min
